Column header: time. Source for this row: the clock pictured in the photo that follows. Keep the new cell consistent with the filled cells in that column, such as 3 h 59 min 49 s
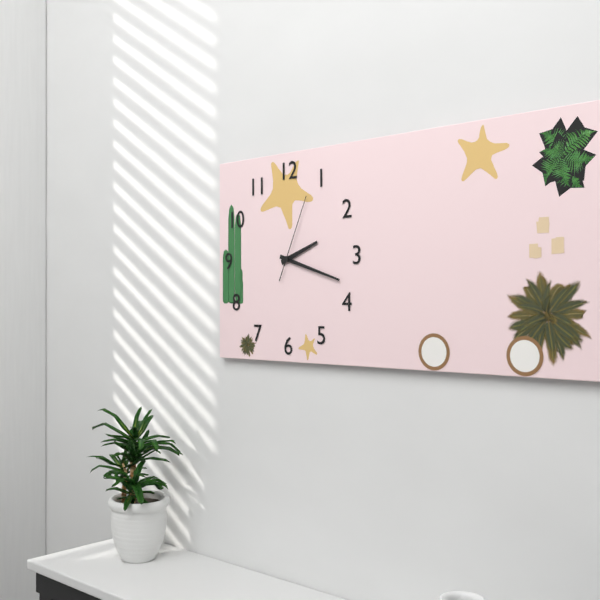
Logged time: 2 h 18 min 04 s
